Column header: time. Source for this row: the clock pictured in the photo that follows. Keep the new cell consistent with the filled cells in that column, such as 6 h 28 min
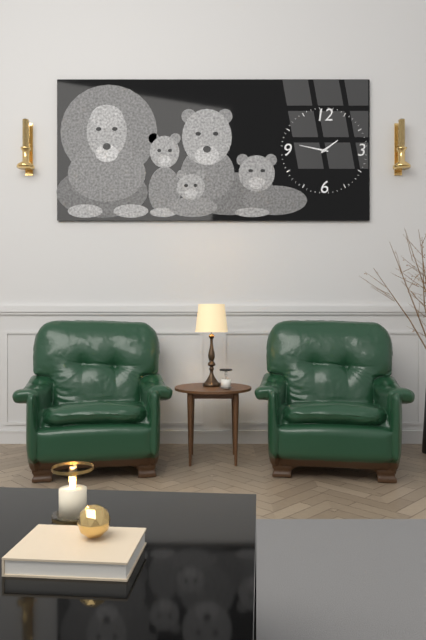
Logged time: 1 h 47 min
